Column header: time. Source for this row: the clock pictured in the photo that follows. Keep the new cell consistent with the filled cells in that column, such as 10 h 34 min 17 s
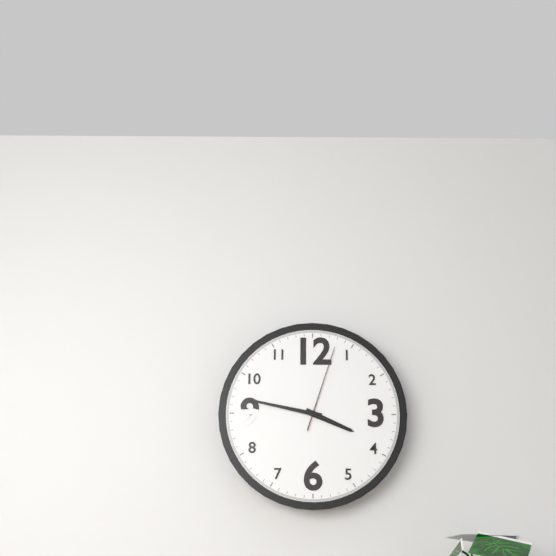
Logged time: 3 h 47 min 03 s
